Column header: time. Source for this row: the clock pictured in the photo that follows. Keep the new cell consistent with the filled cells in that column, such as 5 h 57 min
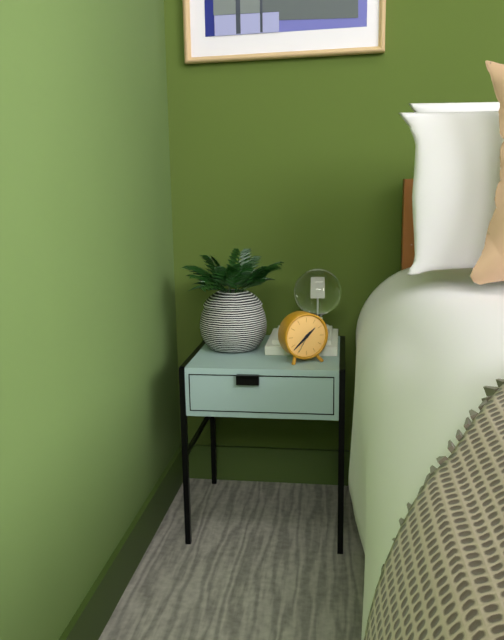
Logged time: 1 h 38 min
